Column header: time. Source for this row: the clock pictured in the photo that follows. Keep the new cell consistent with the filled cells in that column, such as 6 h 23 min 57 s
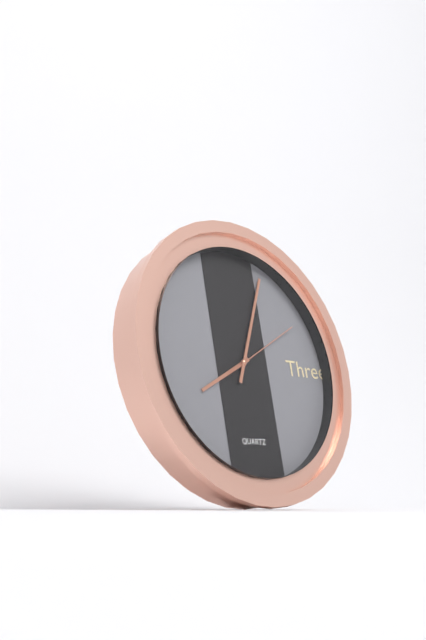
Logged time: 8 h 04 min 10 s
